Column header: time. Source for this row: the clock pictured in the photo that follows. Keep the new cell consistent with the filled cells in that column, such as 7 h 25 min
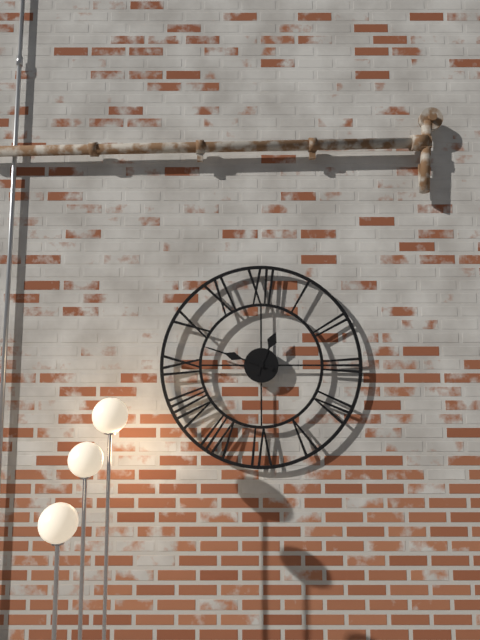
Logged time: 12 h 48 min
